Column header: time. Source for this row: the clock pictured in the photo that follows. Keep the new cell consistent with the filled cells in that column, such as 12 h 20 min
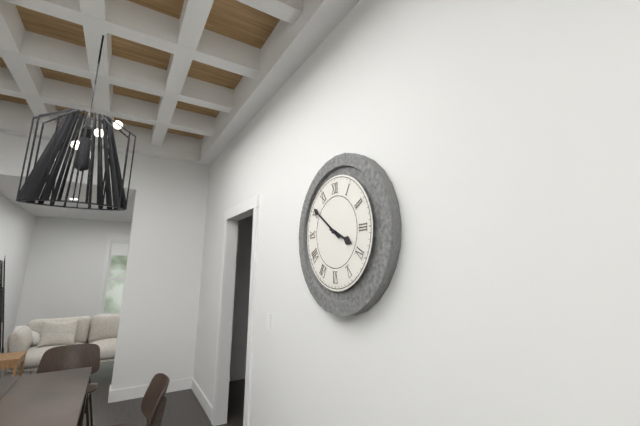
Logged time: 3 h 51 min
